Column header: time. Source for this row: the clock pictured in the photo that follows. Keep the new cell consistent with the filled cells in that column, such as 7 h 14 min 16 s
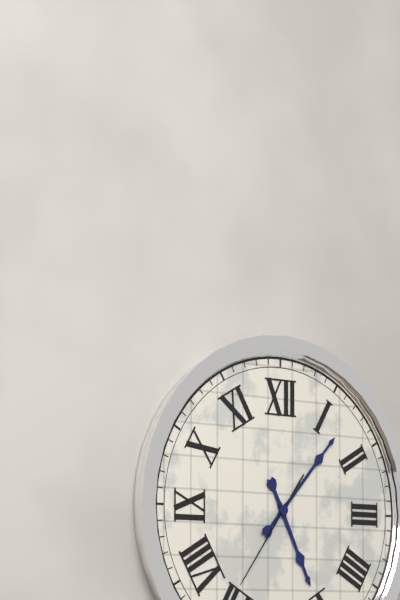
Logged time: 5 h 07 min 36 s
